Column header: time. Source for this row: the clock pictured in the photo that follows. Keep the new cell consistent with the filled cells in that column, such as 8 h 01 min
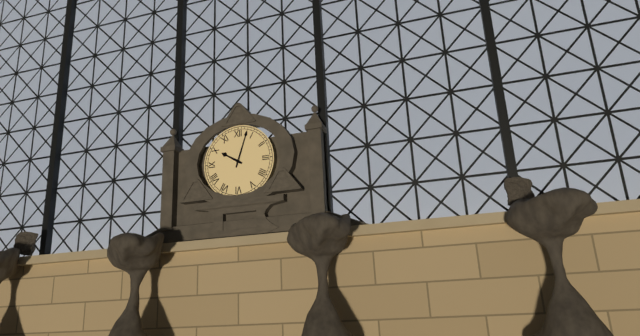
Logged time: 10 h 03 min
